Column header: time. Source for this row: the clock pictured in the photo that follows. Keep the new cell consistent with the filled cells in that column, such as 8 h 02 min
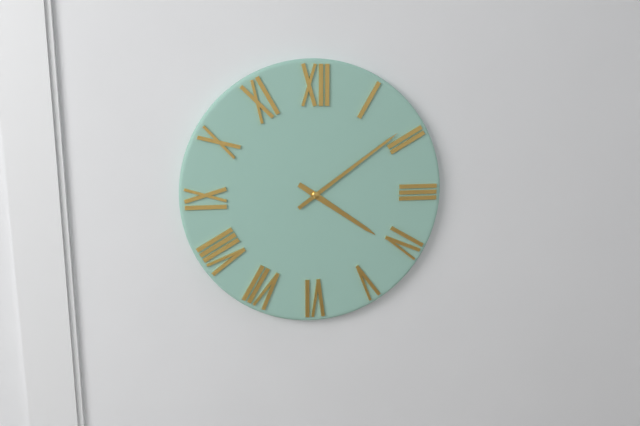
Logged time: 4 h 09 min
